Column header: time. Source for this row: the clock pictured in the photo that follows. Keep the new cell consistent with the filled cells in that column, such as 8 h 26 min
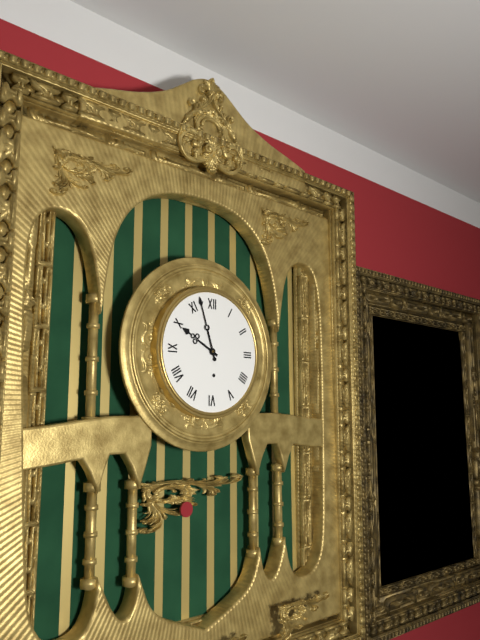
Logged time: 9 h 57 min
